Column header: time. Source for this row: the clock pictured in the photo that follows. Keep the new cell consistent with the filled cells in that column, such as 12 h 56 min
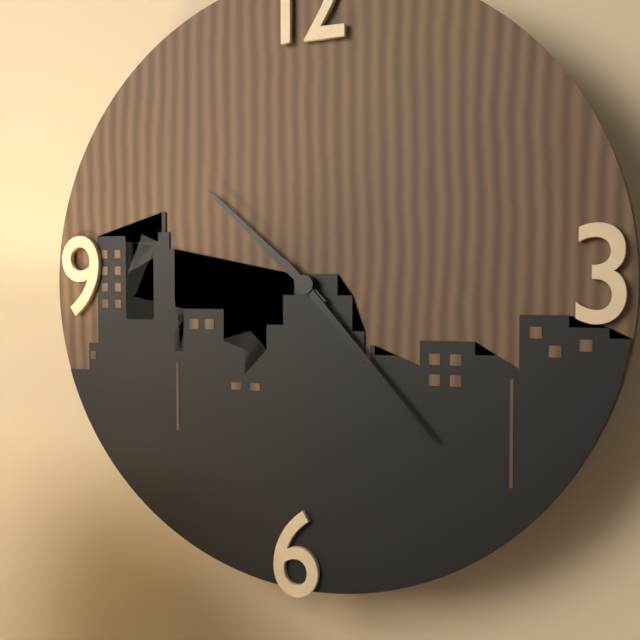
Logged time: 10 h 23 min
